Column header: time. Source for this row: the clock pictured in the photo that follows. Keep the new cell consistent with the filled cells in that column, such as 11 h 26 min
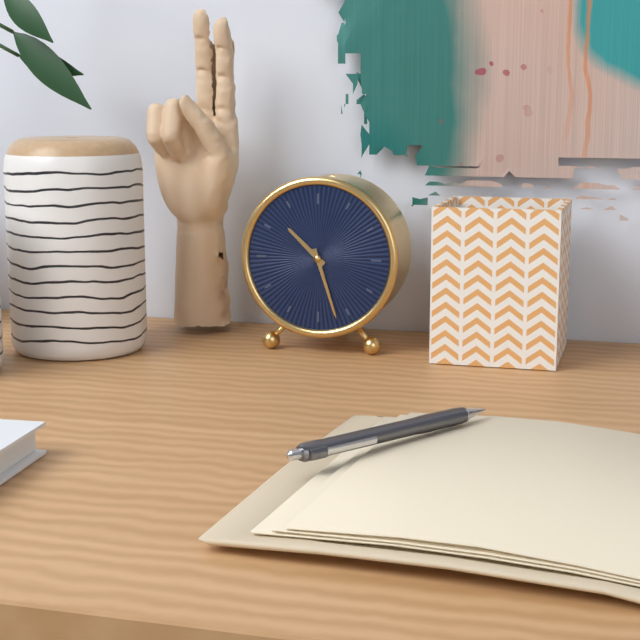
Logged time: 10 h 27 min
